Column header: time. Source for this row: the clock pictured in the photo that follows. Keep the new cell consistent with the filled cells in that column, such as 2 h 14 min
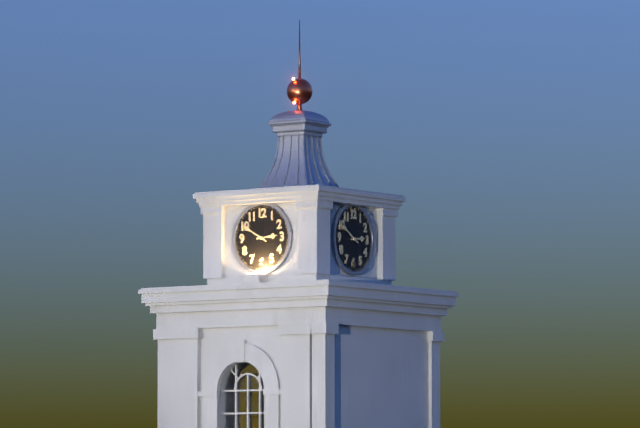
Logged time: 2 h 50 min
